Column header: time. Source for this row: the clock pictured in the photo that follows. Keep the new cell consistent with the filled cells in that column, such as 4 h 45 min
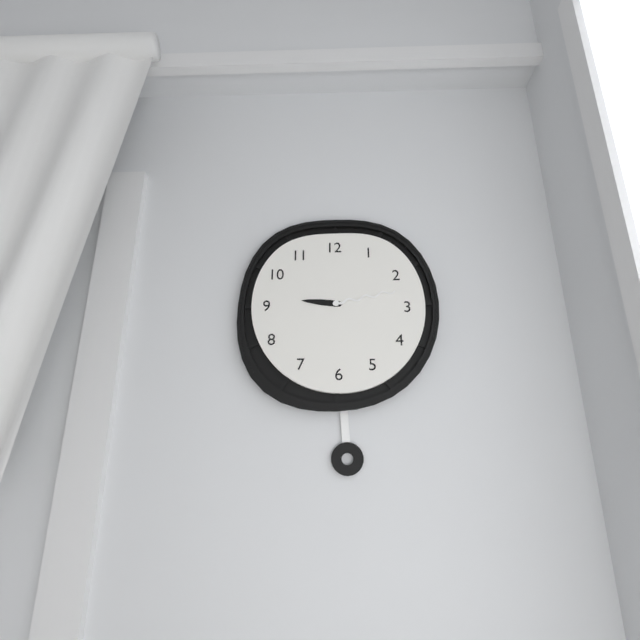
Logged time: 9 h 13 min
